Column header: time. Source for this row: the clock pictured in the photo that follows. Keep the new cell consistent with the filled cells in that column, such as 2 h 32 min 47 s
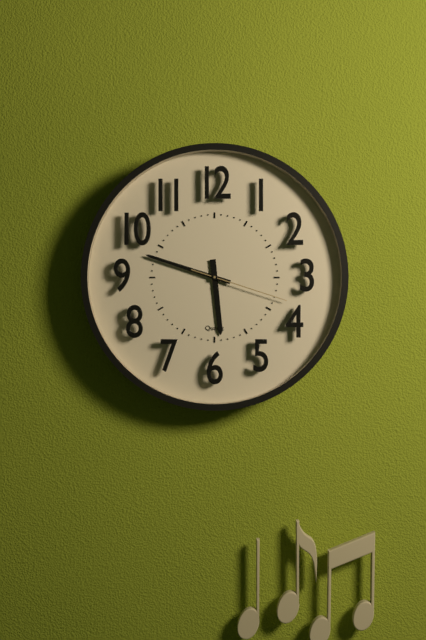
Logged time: 5 h 48 min 18 s
